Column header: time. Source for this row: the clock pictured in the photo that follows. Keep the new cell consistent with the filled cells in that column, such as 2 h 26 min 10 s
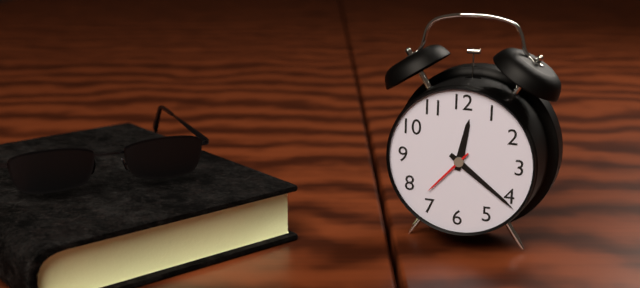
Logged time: 12 h 21 min 37 s
